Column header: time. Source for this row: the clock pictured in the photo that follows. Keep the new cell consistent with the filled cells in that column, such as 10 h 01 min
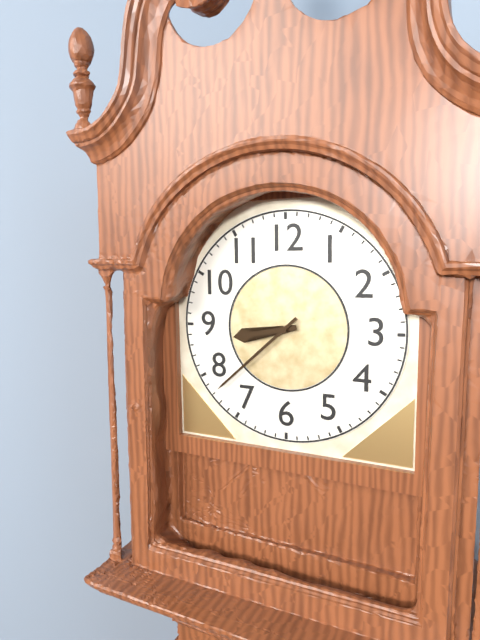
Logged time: 8 h 38 min
